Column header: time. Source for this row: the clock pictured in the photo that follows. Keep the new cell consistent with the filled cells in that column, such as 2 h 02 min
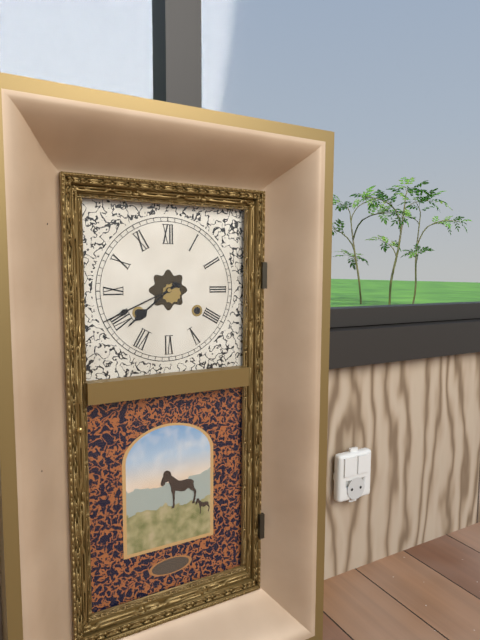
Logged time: 7 h 41 min
